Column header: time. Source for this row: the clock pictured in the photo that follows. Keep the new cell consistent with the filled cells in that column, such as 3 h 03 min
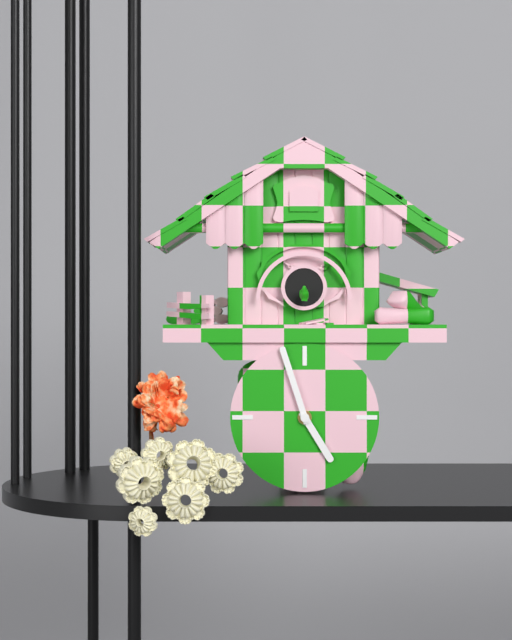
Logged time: 4 h 57 min
